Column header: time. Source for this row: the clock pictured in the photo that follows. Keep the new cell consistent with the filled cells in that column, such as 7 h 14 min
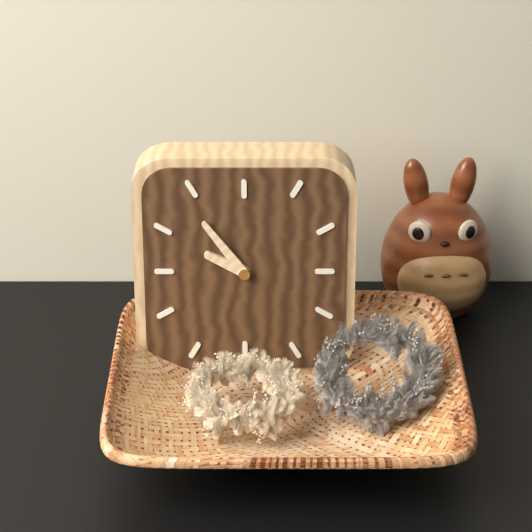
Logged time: 9 h 54 min
